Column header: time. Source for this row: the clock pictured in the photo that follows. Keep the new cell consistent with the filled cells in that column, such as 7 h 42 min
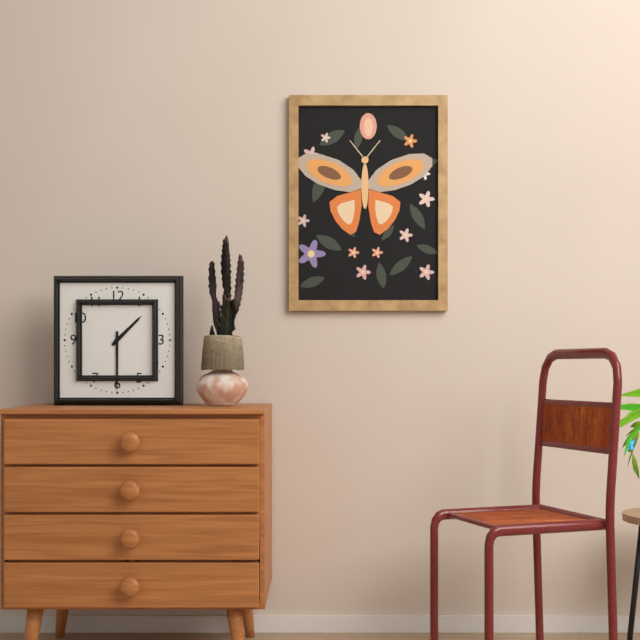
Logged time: 1 h 30 min
